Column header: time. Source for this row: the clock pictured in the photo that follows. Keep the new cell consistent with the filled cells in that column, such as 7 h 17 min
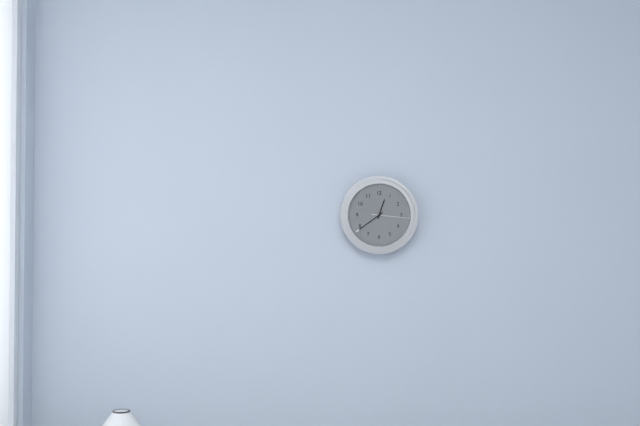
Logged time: 12 h 39 min
